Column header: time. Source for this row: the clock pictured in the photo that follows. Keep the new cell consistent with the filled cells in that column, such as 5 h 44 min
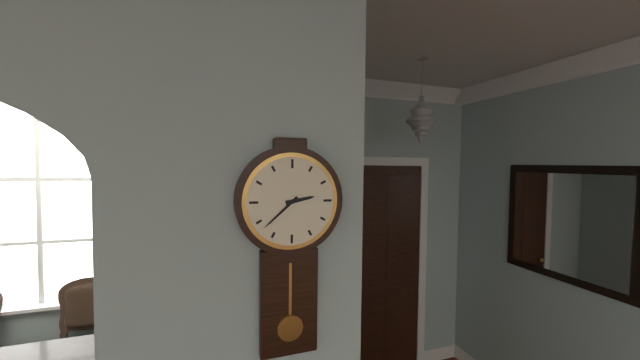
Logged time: 2 h 38 min
